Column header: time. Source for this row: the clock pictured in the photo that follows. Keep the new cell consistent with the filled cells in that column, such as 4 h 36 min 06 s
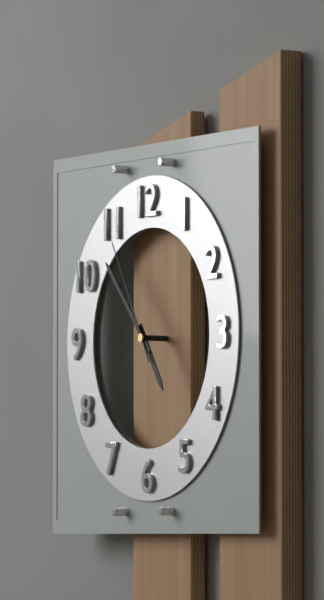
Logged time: 4 h 53 min 55 s
